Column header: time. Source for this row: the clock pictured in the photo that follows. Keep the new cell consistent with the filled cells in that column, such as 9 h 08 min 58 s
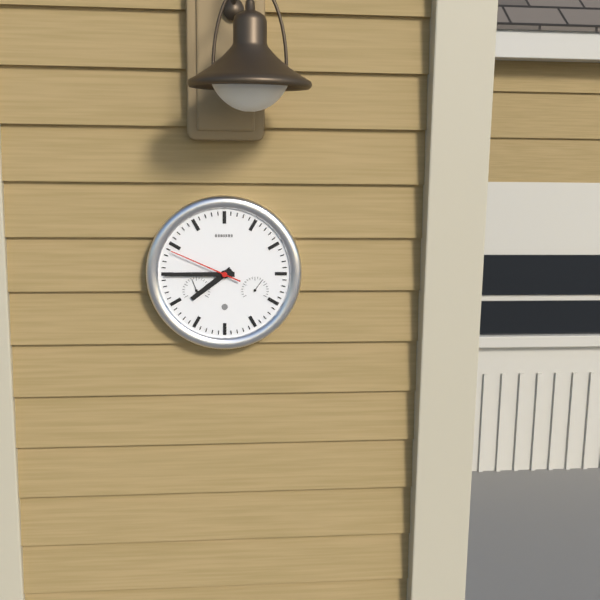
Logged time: 7 h 45 min 49 s
